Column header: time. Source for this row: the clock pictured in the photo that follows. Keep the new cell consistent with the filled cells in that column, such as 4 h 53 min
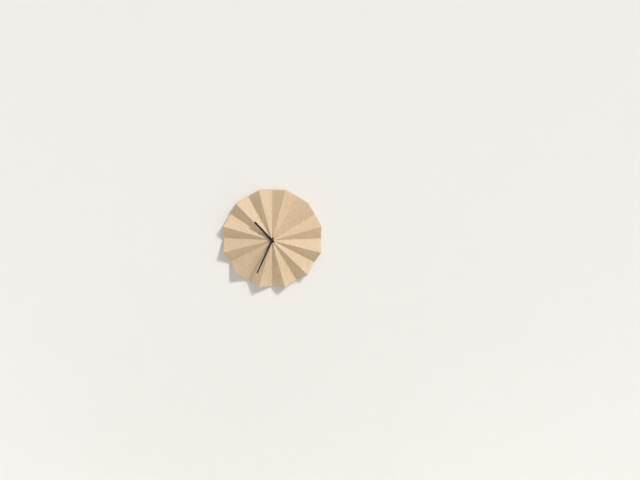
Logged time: 10 h 34 min
